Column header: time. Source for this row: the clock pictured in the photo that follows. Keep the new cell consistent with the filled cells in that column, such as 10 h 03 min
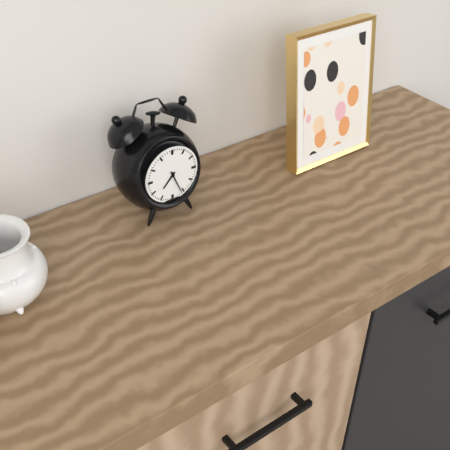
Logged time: 7 h 26 min
